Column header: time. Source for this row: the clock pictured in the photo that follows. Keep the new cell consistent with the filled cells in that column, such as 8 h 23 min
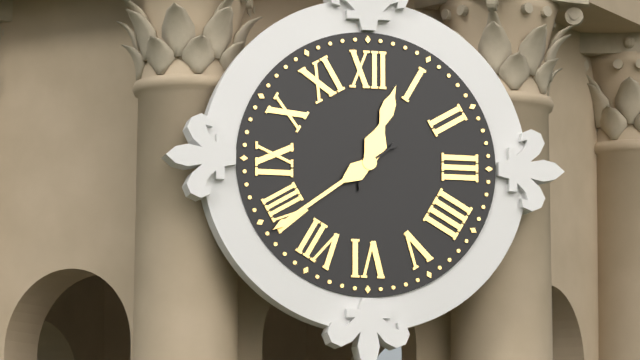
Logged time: 12 h 39 min
